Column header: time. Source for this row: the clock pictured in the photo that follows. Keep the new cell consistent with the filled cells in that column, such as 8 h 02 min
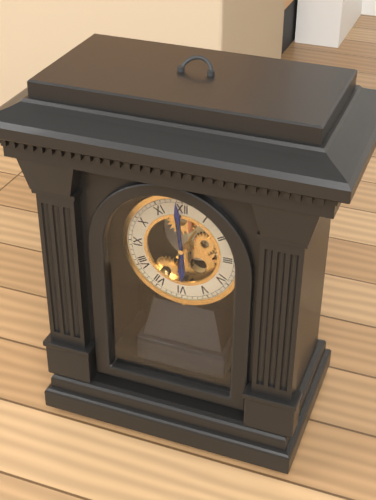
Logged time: 5 h 59 min
